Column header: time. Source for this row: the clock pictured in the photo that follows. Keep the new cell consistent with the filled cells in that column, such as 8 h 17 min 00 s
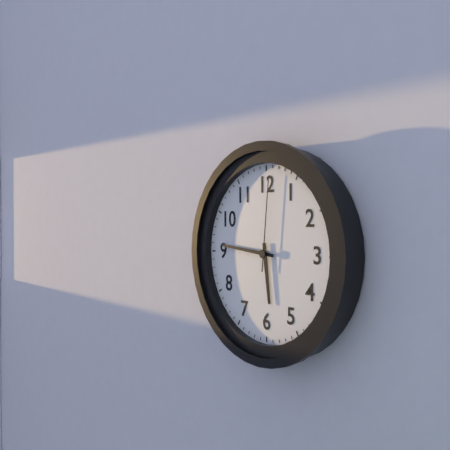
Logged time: 5 h 46 min 01 s
